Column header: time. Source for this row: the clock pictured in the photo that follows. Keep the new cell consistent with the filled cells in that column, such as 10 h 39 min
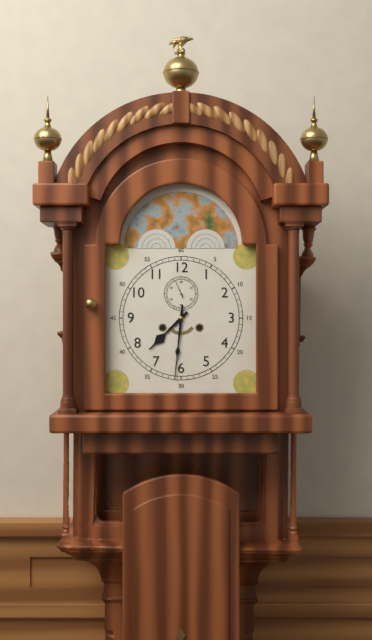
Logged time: 7 h 31 min
